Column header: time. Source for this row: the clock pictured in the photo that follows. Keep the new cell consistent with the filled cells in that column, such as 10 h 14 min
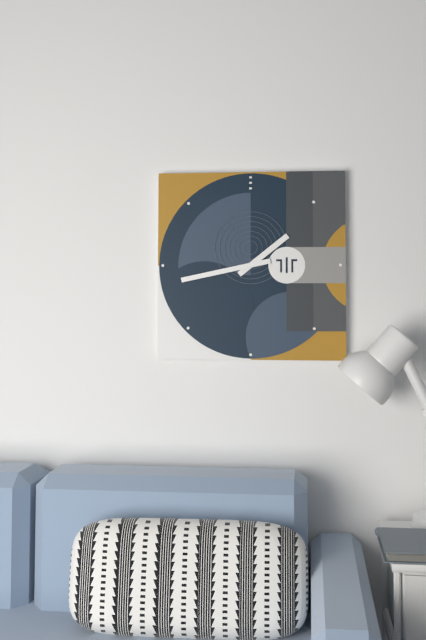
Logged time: 1 h 43 min
